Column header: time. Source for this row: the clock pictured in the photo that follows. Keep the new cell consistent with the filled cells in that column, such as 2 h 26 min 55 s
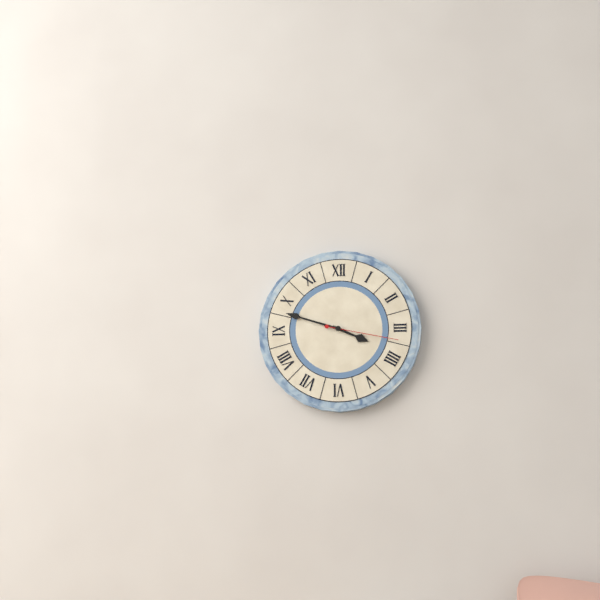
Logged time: 3 h 48 min 17 s
